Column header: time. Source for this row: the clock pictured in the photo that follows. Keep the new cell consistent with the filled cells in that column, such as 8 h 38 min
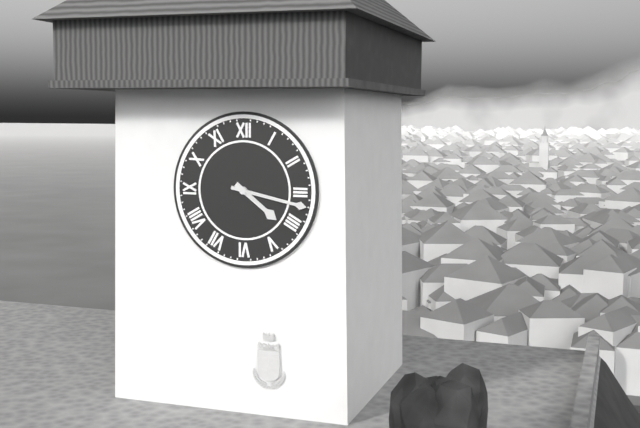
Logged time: 4 h 17 min
